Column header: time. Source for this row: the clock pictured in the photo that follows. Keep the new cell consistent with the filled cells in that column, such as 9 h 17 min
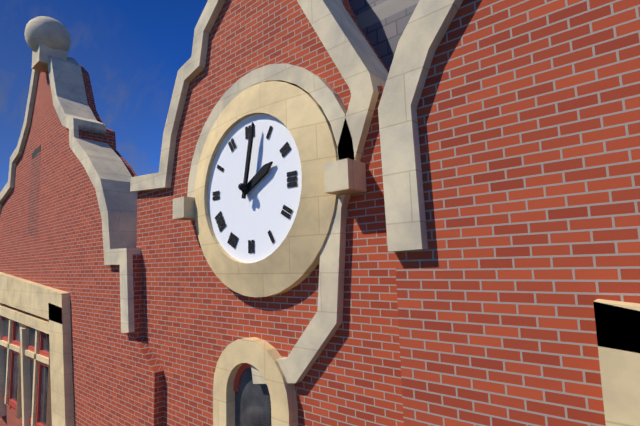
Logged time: 2 h 02 min
